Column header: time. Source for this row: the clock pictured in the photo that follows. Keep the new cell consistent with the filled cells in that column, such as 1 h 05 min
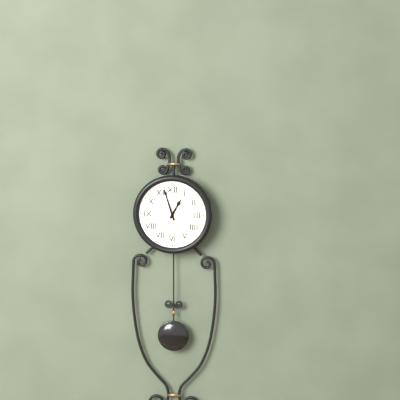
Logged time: 12 h 57 min
